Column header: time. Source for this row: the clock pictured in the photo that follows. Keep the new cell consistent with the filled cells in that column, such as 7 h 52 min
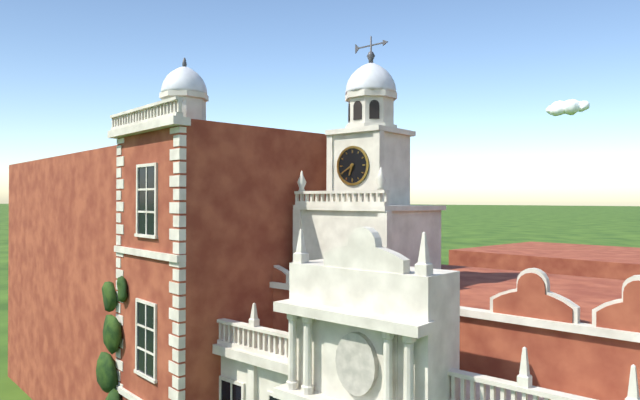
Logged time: 6 h 40 min
